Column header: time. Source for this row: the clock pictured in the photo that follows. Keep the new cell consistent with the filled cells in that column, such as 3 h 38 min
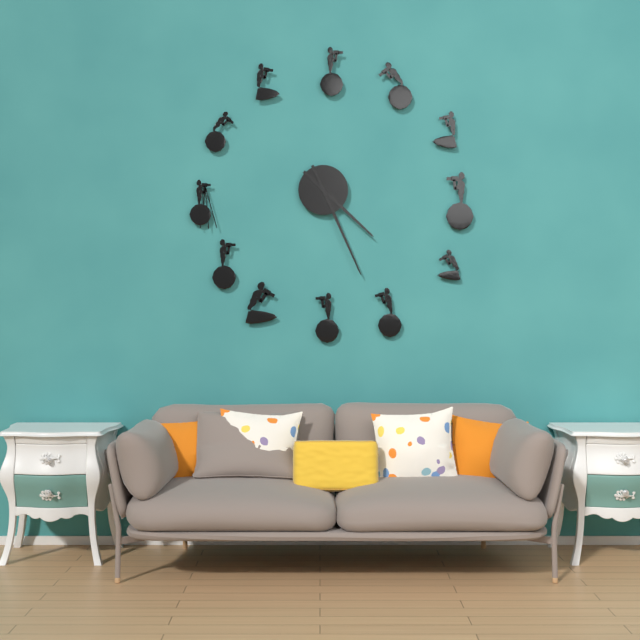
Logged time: 4 h 26 min
